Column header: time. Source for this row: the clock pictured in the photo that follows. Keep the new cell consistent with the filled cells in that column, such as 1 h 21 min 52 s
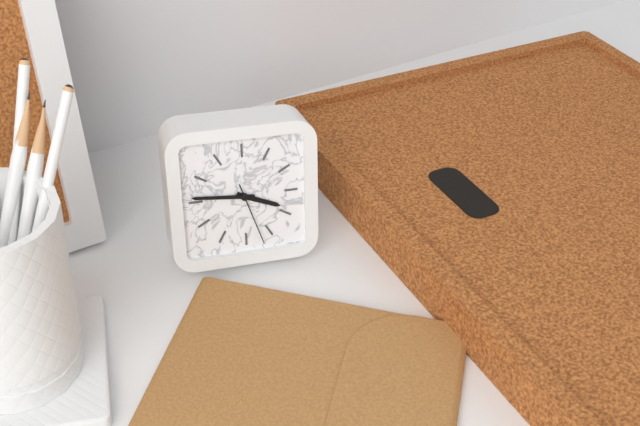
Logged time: 3 h 46 min 27 s
